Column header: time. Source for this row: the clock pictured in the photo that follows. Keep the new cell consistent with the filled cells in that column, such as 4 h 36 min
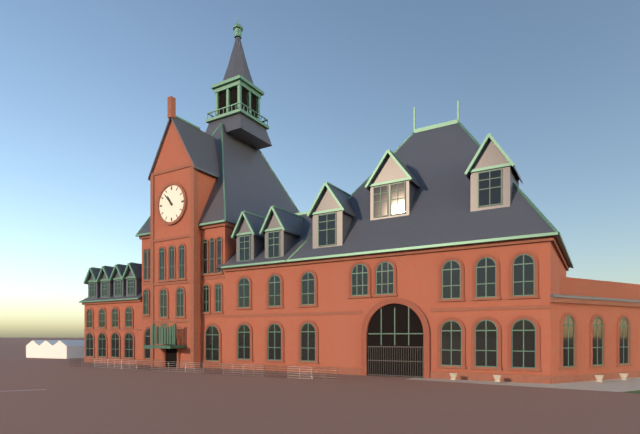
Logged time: 10 h 53 min
